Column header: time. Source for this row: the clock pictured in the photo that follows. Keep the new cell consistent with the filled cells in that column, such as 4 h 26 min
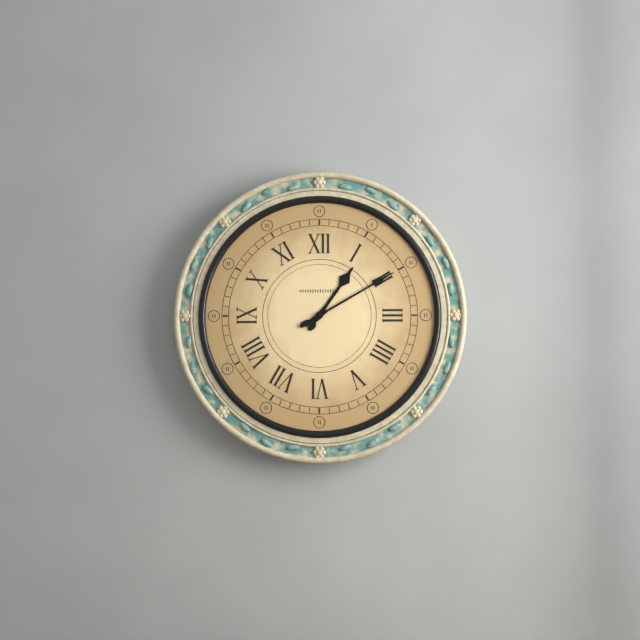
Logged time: 1 h 10 min
